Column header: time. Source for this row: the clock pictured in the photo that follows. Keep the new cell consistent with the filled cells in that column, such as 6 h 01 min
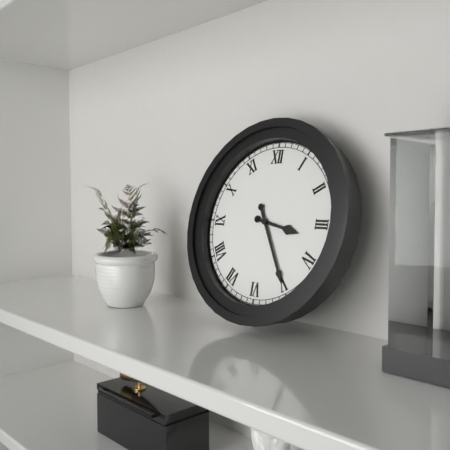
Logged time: 3 h 25 min
